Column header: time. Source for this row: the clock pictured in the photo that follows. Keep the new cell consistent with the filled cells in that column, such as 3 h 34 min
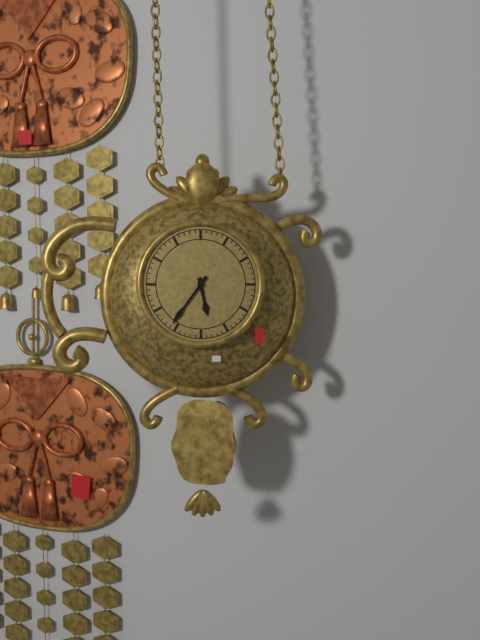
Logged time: 5 h 36 min
